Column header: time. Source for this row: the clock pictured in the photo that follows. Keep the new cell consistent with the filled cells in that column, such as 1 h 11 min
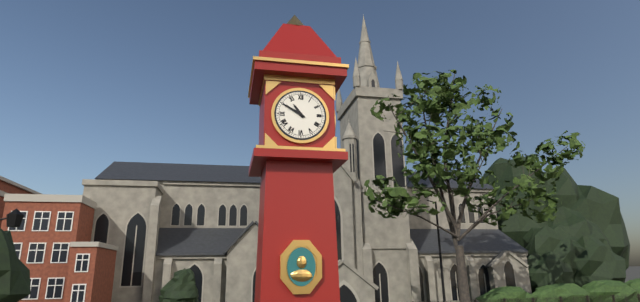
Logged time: 10 h 50 min
